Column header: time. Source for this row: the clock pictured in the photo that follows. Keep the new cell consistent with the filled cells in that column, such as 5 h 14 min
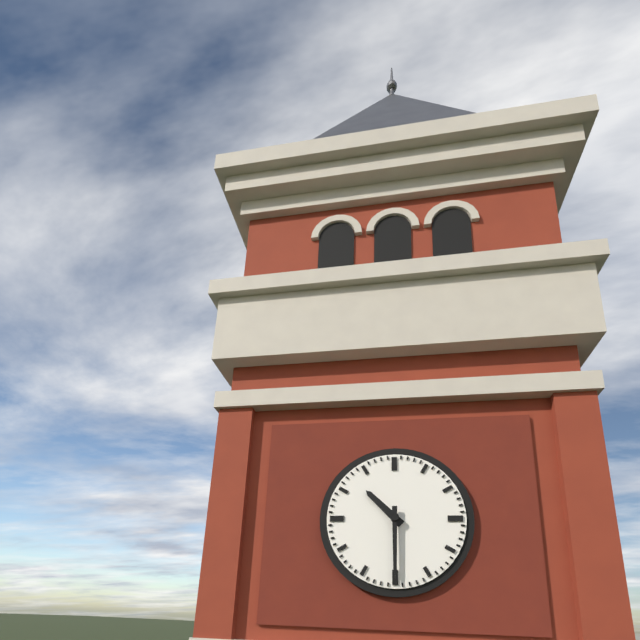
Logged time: 10 h 30 min
